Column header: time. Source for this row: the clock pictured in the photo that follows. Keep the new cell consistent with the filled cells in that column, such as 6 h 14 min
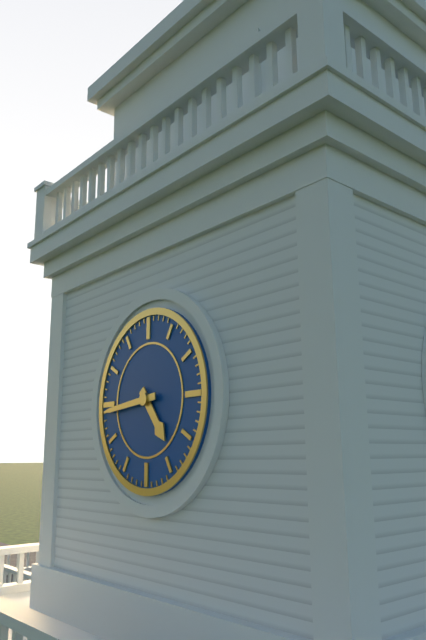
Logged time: 4 h 44 min
